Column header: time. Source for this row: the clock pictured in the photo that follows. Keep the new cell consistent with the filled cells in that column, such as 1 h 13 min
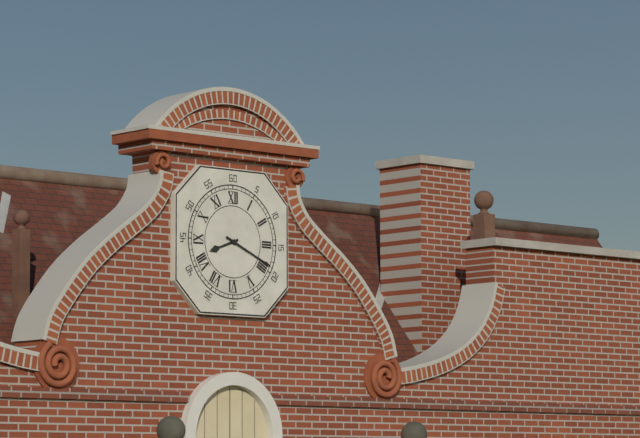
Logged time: 8 h 19 min
